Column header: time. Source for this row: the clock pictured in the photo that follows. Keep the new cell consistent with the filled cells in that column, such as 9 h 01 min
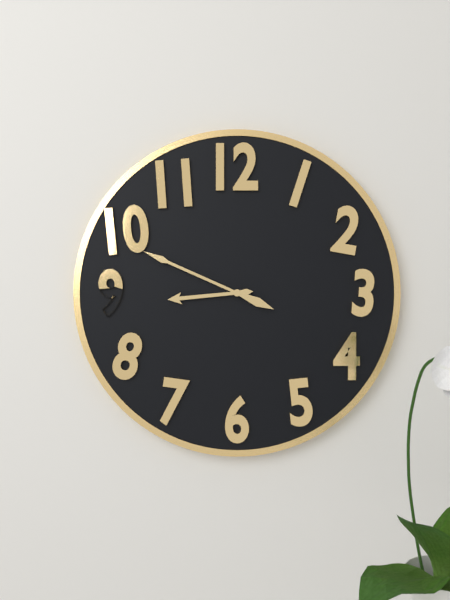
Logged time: 8 h 49 min
